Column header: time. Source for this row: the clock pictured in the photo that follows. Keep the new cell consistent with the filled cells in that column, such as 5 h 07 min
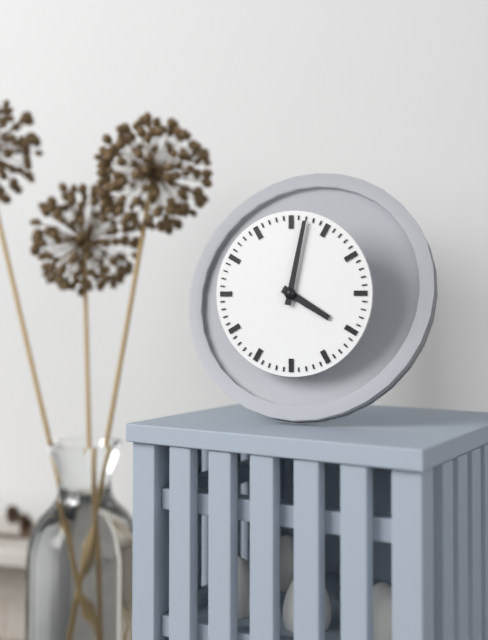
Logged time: 4 h 02 min
